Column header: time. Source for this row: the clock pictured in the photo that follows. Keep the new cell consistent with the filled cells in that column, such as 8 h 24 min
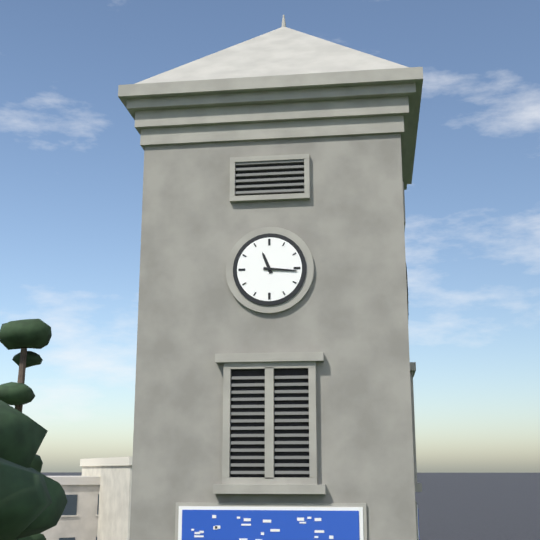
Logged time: 11 h 16 min
